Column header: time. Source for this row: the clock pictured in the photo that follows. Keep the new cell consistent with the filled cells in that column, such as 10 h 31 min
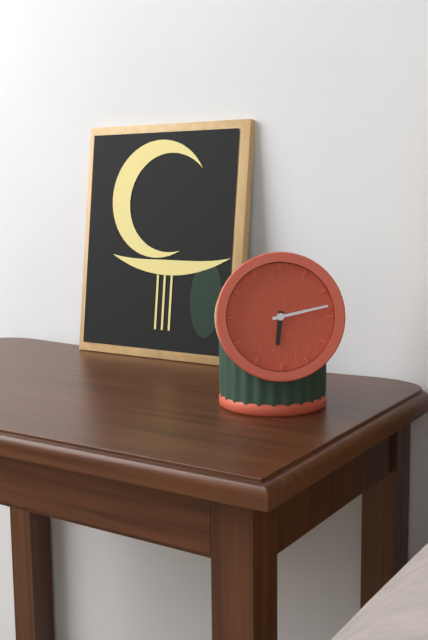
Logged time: 6 h 13 min
